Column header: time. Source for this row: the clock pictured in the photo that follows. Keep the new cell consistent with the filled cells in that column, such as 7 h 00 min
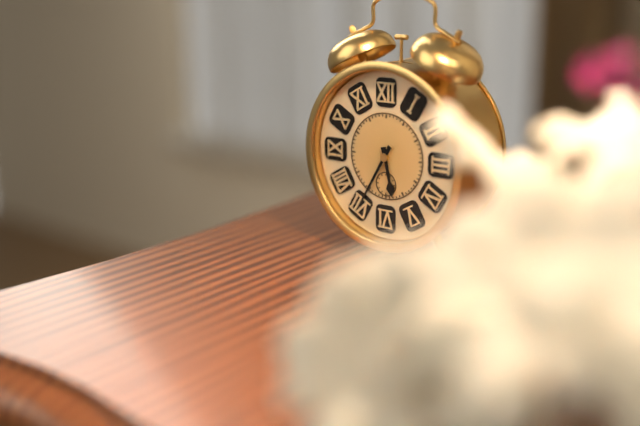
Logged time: 5 h 35 min
